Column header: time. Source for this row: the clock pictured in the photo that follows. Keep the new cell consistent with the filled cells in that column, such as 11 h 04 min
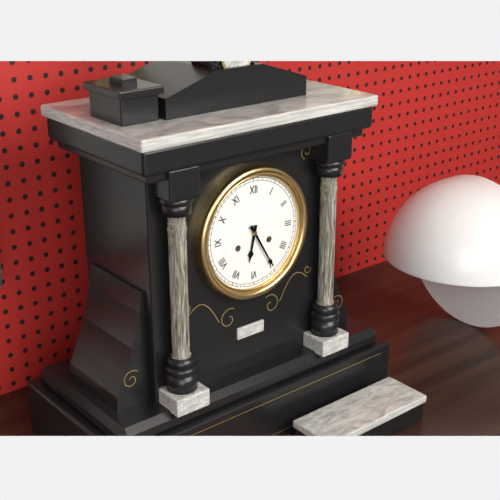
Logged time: 6 h 25 min
